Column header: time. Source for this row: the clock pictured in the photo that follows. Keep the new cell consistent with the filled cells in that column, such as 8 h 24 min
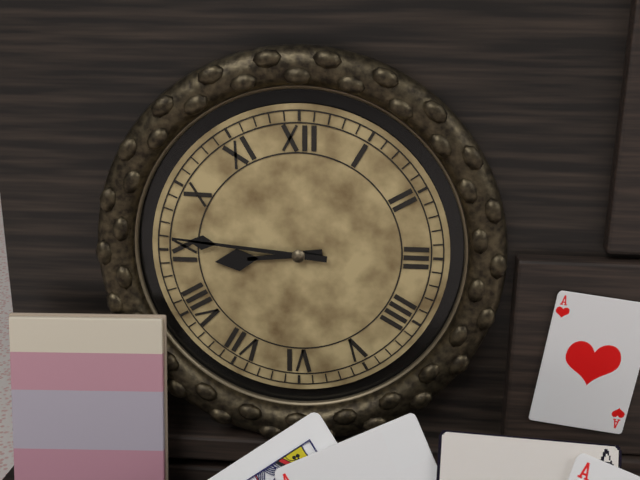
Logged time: 8 h 46 min
